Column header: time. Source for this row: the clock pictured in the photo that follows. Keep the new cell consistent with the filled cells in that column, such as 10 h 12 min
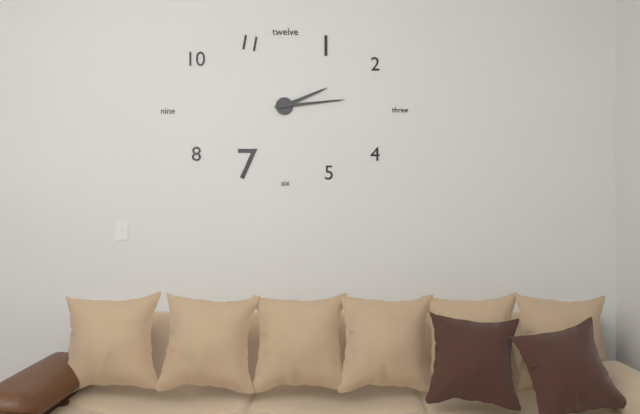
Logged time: 2 h 14 min
